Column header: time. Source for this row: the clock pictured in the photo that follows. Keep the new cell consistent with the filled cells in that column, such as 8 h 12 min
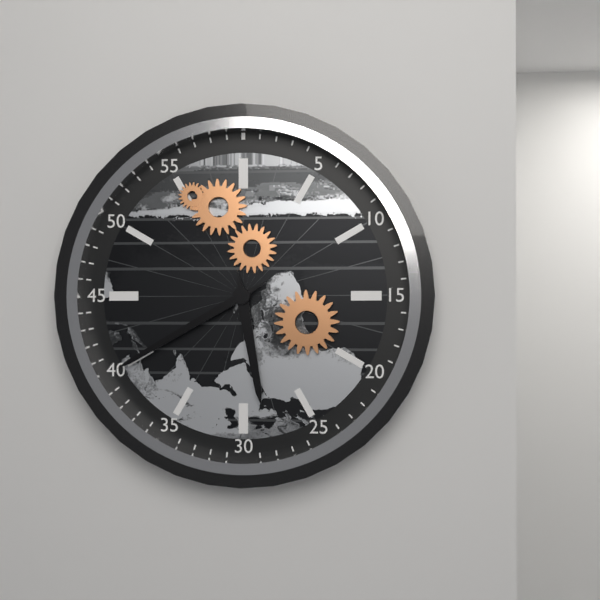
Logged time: 5 h 40 min
